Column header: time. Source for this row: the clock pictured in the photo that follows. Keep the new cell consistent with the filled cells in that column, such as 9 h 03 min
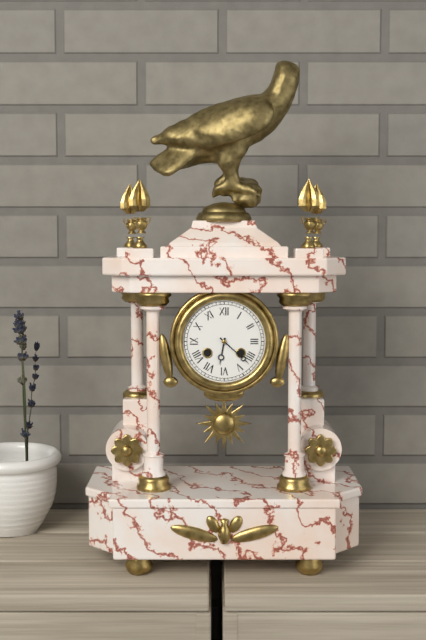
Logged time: 6 h 22 min
